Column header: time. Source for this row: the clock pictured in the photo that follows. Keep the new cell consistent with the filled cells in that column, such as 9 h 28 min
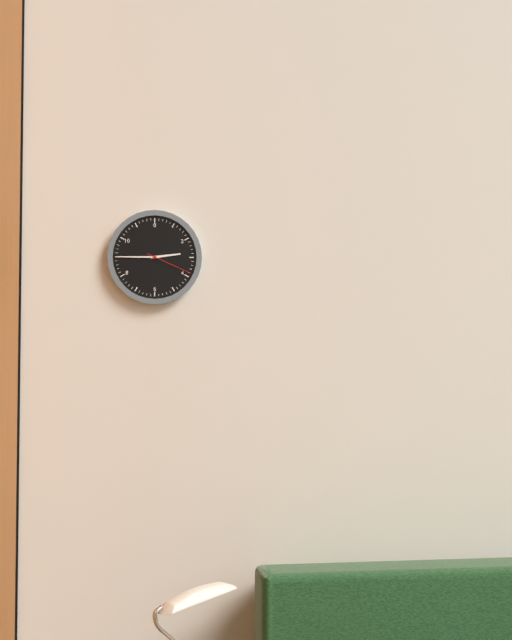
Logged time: 2 h 45 min
